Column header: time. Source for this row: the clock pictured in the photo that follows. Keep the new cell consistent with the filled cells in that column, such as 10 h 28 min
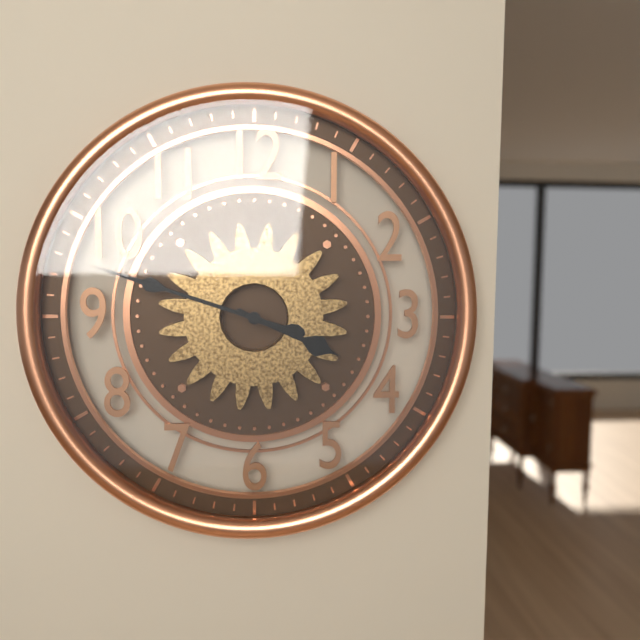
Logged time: 3 h 48 min
